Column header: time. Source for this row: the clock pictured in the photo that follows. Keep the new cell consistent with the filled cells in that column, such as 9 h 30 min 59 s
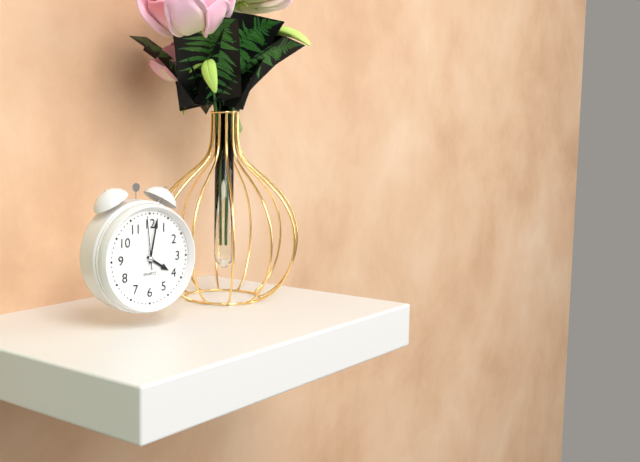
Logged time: 4 h 02 min 59 s
